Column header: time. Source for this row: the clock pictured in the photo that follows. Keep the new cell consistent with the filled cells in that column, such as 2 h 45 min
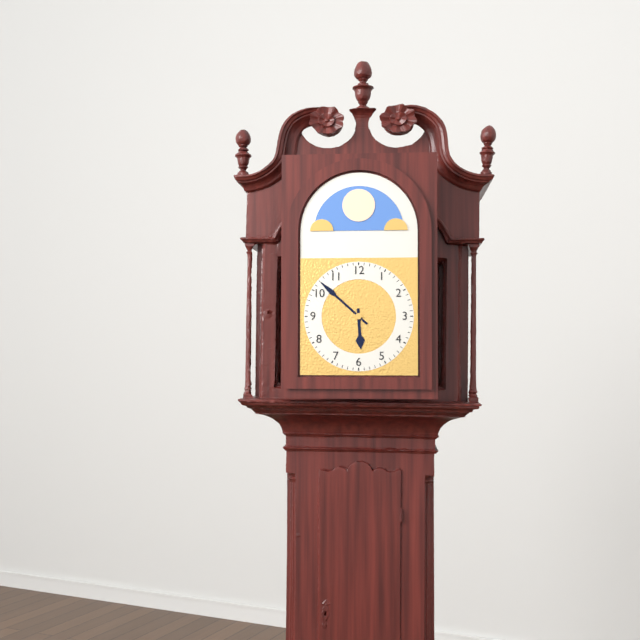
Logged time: 5 h 52 min
